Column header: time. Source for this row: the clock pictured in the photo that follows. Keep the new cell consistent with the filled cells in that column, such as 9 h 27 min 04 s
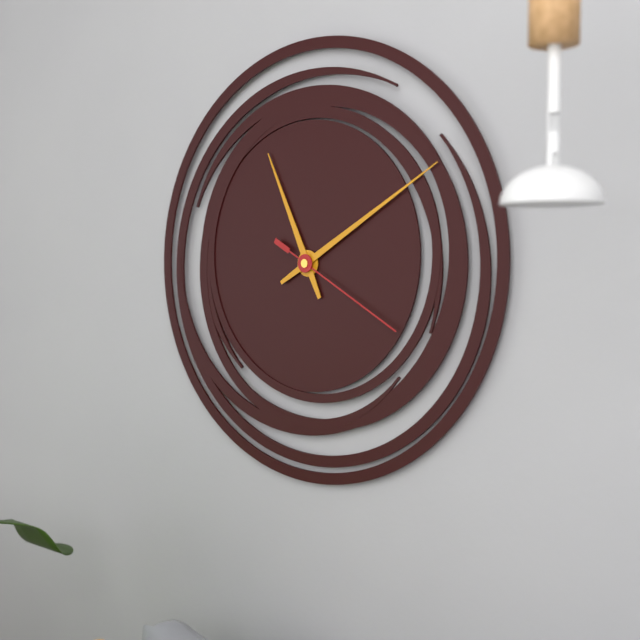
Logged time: 11 h 10 min 20 s
